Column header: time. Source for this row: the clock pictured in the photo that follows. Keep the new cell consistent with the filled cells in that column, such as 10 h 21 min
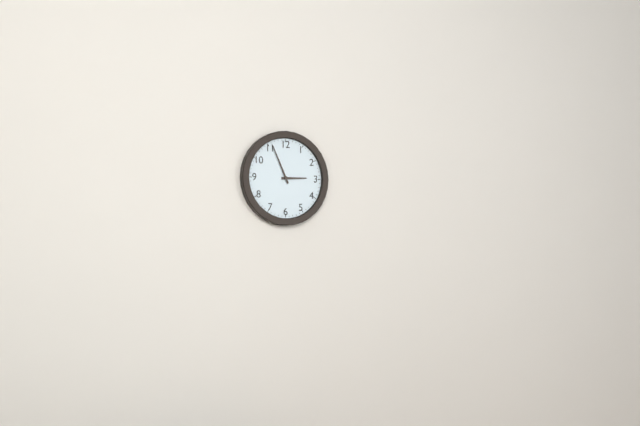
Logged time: 2 h 56 min
